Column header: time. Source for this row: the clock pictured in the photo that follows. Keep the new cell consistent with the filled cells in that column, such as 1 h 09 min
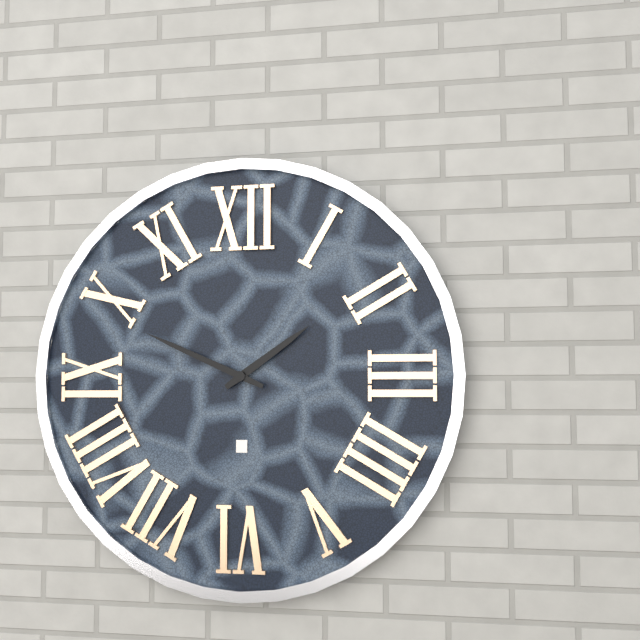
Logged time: 1 h 49 min
